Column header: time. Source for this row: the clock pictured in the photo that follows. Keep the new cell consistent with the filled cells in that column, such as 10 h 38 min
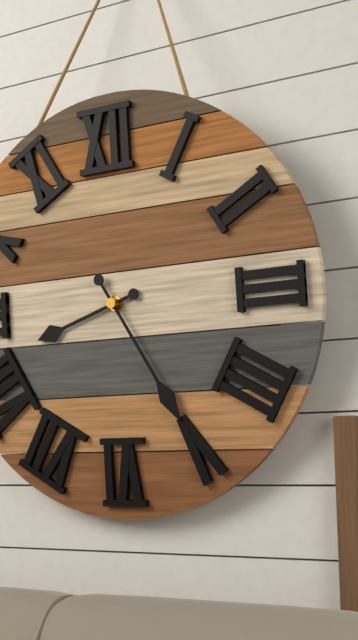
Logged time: 8 h 25 min
